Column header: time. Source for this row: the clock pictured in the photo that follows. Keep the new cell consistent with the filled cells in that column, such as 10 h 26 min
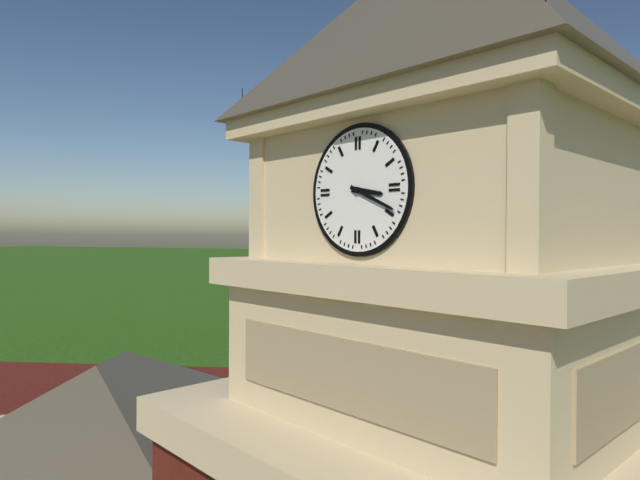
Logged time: 3 h 19 min
